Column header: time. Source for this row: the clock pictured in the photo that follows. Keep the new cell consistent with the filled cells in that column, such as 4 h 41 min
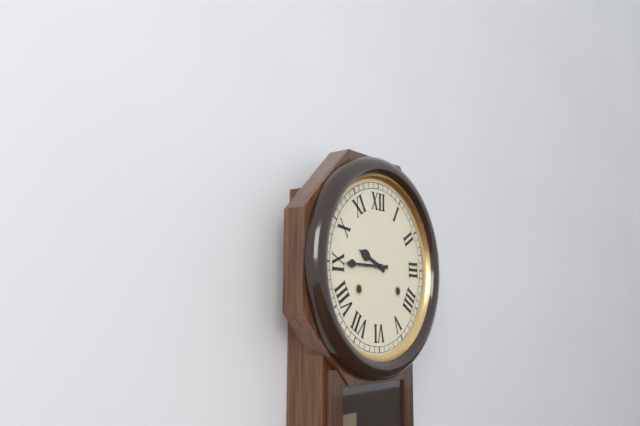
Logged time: 9 h 45 min
